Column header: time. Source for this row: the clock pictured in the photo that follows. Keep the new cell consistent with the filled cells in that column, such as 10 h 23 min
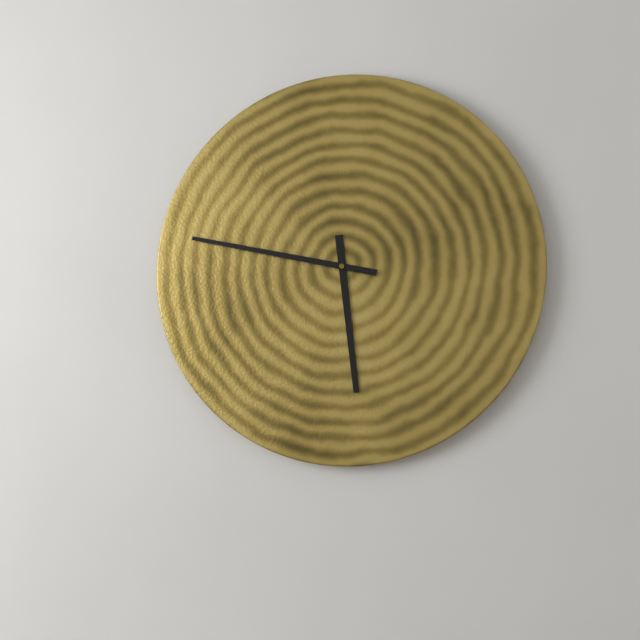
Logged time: 5 h 47 min
